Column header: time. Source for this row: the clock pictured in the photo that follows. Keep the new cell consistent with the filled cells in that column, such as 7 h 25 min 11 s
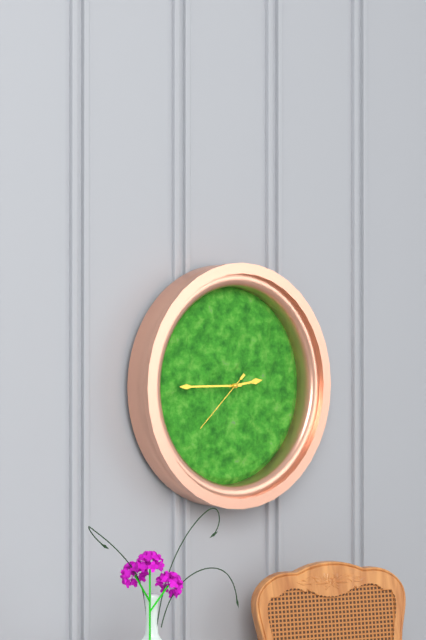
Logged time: 2 h 45 min 38 s
